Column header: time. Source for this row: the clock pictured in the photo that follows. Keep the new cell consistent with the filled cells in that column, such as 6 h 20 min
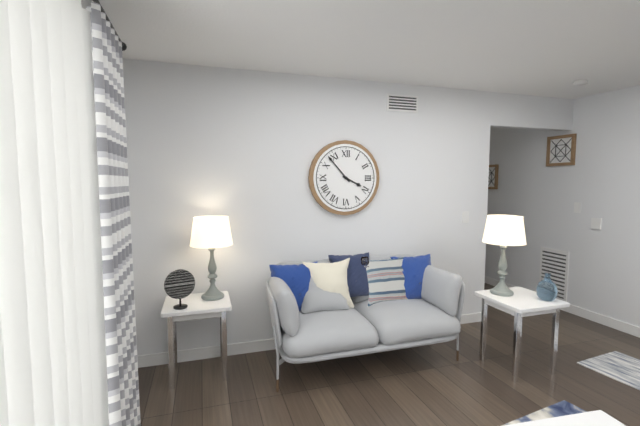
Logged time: 3 h 53 min
